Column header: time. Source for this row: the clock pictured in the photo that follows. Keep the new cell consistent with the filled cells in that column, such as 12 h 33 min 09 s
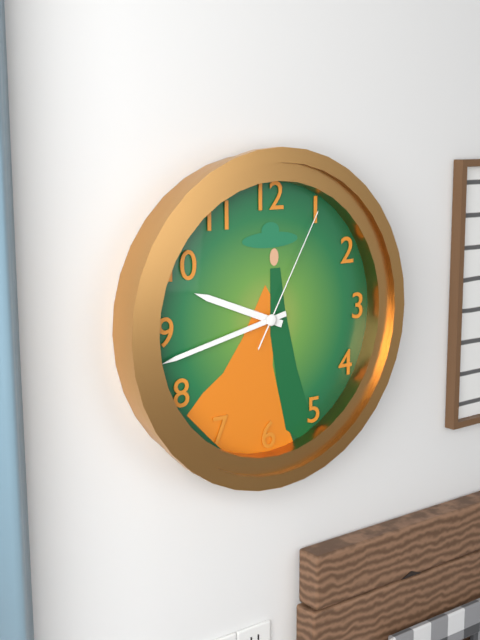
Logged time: 9 h 43 min 05 s
